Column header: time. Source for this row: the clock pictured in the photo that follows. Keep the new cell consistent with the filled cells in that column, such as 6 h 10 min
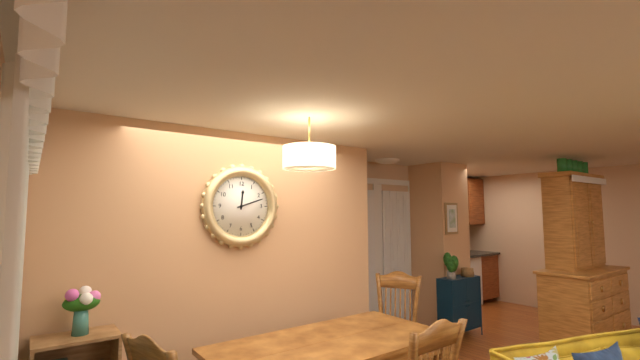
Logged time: 12 h 12 min
